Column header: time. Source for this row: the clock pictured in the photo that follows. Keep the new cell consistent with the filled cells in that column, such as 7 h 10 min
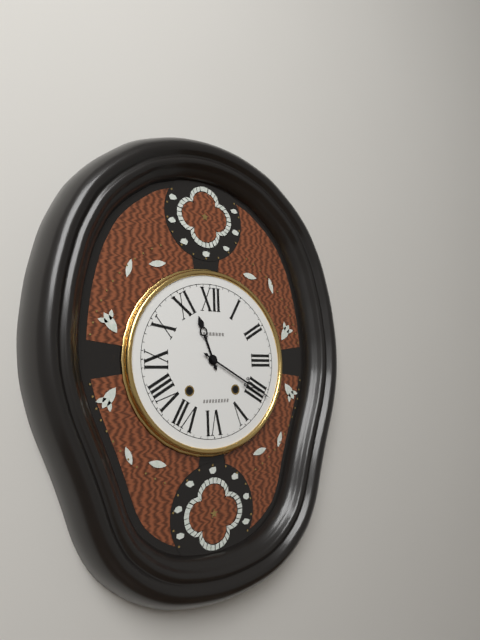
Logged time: 11 h 20 min
